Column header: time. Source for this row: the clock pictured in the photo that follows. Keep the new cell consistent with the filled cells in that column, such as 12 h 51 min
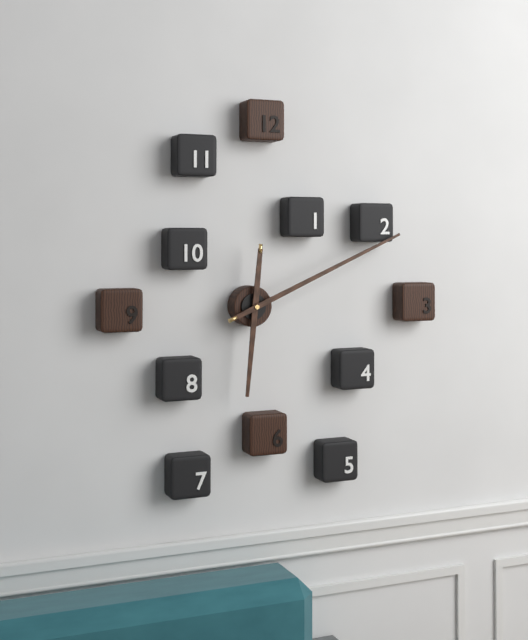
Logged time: 6 h 11 min
